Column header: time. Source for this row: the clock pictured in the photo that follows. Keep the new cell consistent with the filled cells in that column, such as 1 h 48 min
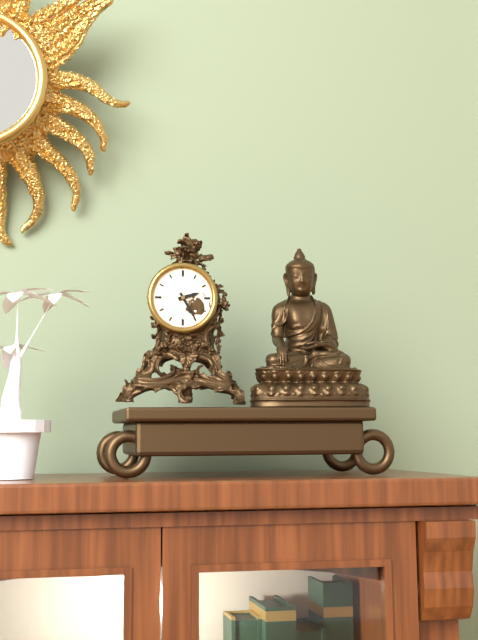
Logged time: 2 h 25 min
